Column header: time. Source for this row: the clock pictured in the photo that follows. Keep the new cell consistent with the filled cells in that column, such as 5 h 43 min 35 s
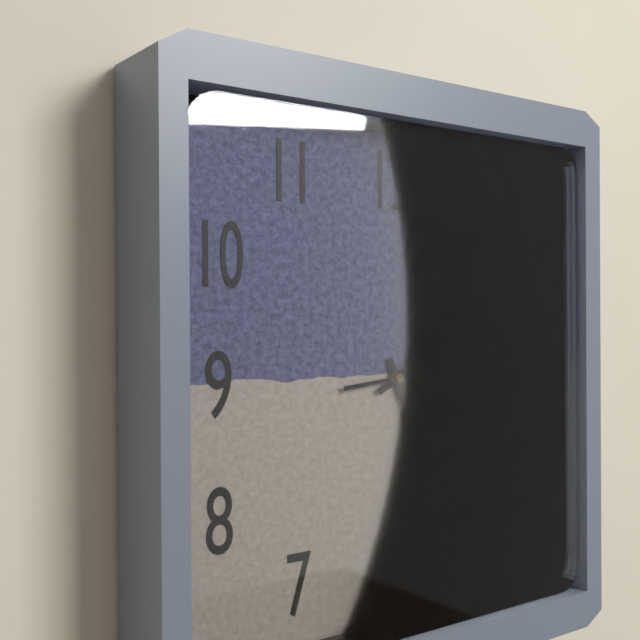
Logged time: 5 h 10 min 14 s
